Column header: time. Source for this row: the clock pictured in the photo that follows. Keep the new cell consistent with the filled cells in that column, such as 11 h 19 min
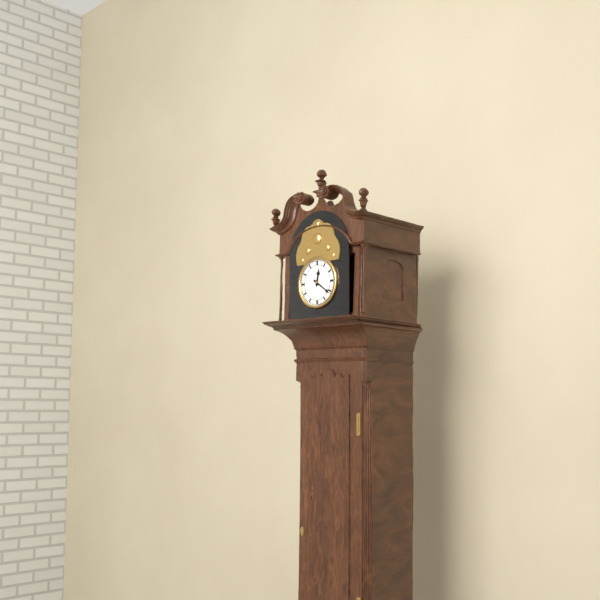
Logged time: 12 h 21 min
